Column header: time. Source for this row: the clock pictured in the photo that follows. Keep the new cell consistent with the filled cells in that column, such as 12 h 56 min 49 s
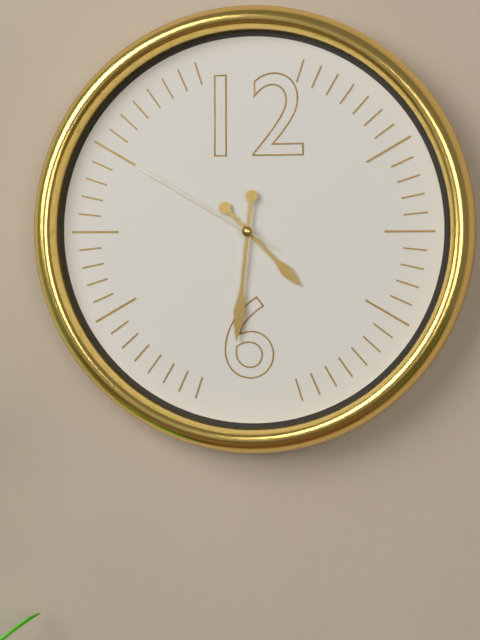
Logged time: 4 h 31 min 50 s
